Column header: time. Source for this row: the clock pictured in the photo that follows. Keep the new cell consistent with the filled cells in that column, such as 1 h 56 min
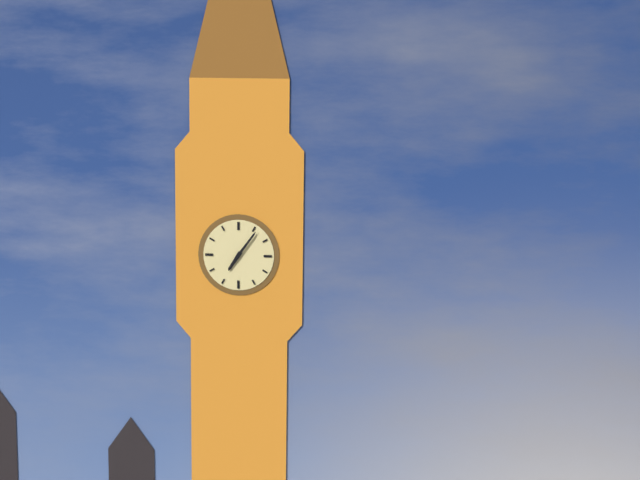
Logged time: 7 h 06 min
